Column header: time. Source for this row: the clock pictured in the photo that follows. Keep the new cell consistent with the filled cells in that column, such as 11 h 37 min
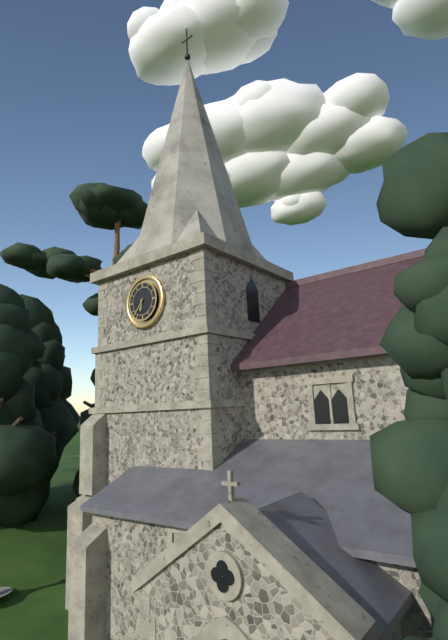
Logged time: 6 h 37 min
